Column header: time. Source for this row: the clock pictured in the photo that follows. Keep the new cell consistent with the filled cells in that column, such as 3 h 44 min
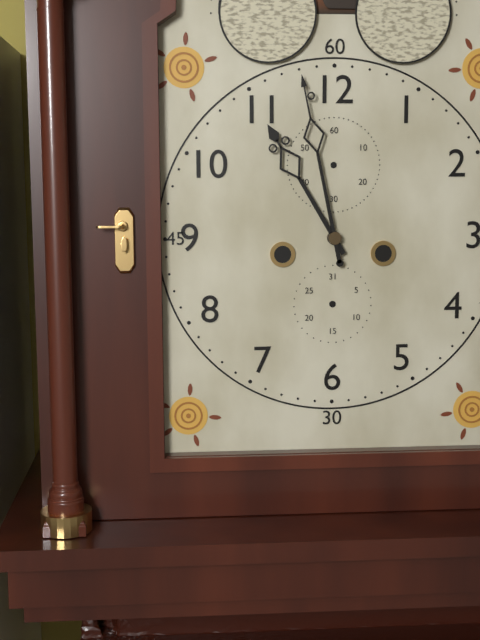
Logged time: 10 h 58 min
